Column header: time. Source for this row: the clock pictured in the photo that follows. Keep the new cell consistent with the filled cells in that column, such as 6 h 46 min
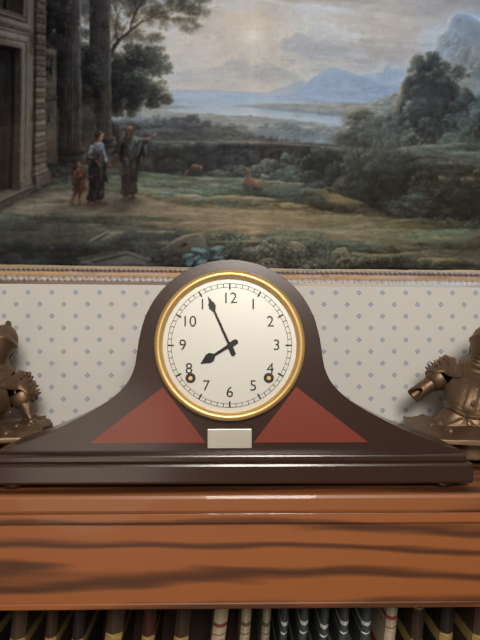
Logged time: 7 h 56 min
